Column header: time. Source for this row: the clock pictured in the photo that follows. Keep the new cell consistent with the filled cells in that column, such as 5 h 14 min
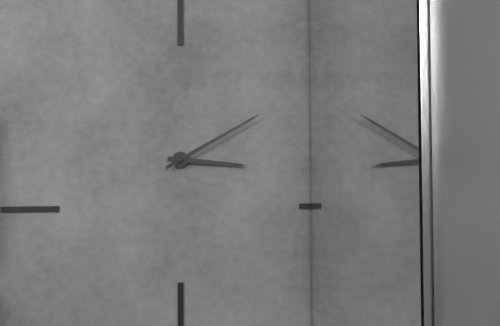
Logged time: 3 h 10 min
